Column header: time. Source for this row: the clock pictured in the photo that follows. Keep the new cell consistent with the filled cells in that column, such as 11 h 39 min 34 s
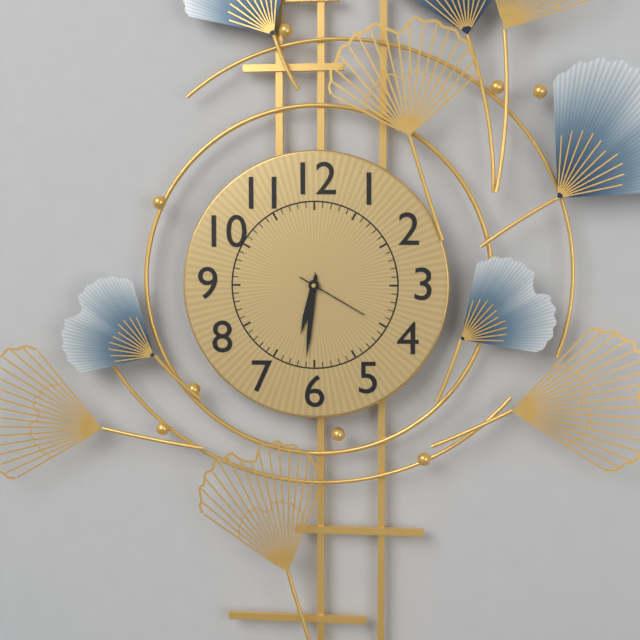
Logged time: 6 h 31 min 20 s
